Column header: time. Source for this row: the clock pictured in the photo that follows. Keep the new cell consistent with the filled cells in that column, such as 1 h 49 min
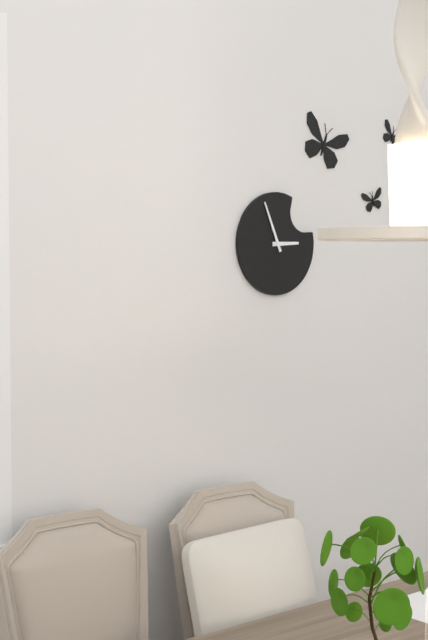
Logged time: 2 h 56 min
